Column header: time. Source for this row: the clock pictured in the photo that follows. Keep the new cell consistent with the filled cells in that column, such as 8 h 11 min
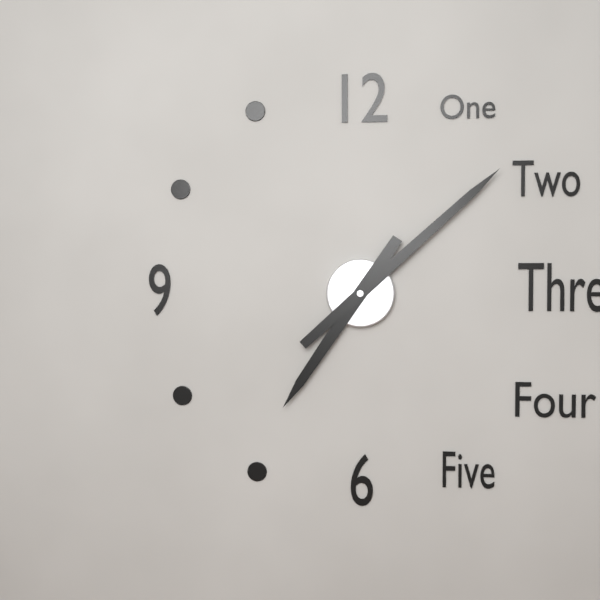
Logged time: 7 h 08 min
